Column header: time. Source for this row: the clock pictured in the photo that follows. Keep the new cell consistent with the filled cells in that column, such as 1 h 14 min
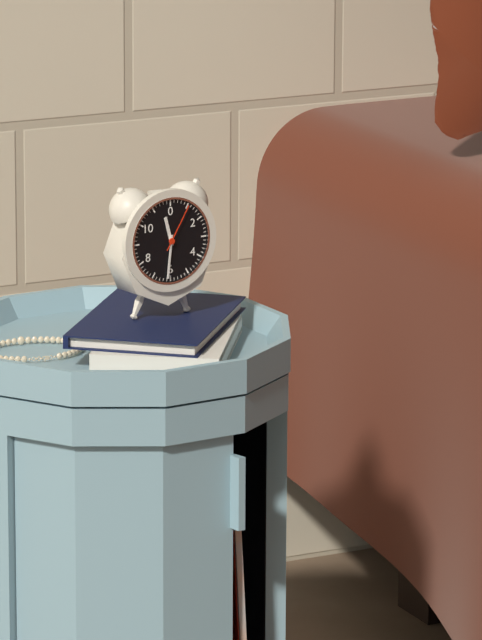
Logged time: 11 h 31 min
